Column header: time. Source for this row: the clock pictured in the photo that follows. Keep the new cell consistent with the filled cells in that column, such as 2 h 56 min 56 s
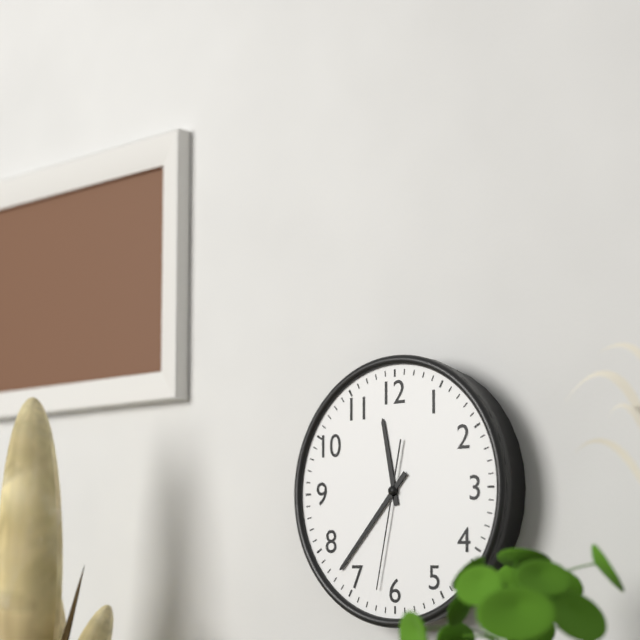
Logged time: 11 h 37 min 32 s
